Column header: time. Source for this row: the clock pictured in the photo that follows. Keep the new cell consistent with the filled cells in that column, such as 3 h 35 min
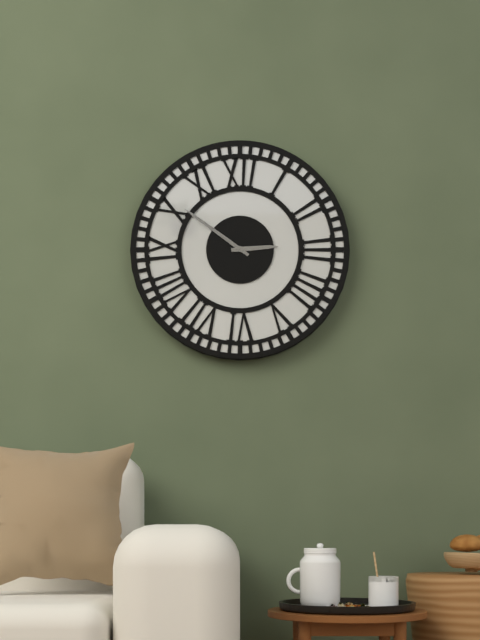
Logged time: 2 h 51 min
